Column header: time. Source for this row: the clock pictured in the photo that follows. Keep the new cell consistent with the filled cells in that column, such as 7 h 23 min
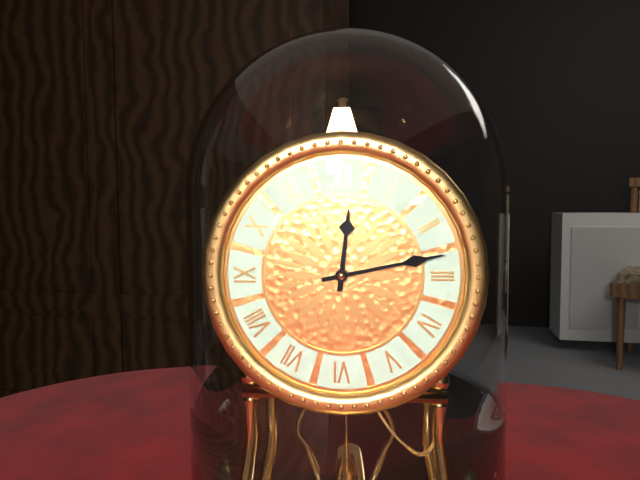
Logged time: 12 h 13 min
